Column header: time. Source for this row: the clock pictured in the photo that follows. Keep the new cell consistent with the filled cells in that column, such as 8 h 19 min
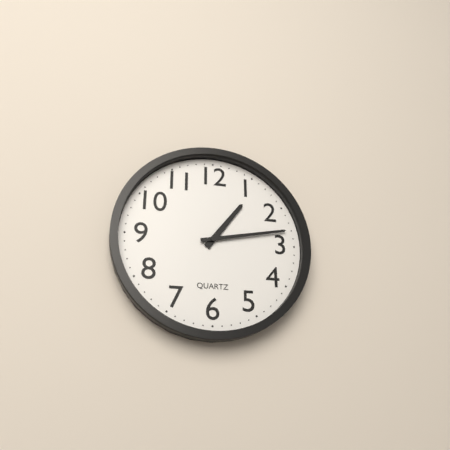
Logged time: 1 h 13 min
